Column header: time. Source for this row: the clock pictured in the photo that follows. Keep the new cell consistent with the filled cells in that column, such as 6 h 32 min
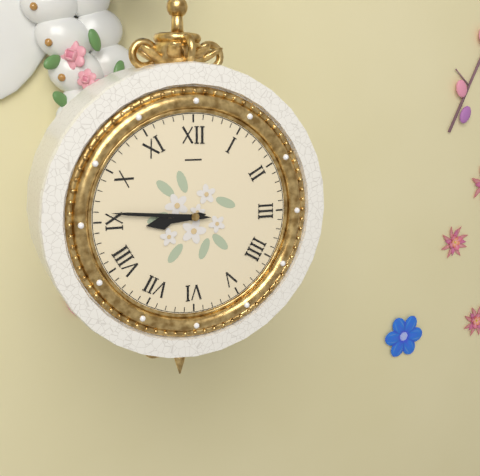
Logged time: 8 h 46 min
